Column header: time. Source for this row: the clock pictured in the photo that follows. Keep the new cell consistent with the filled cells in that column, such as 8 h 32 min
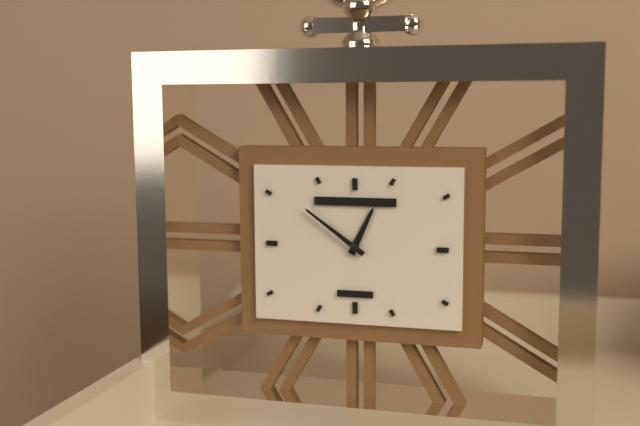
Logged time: 12 h 51 min
